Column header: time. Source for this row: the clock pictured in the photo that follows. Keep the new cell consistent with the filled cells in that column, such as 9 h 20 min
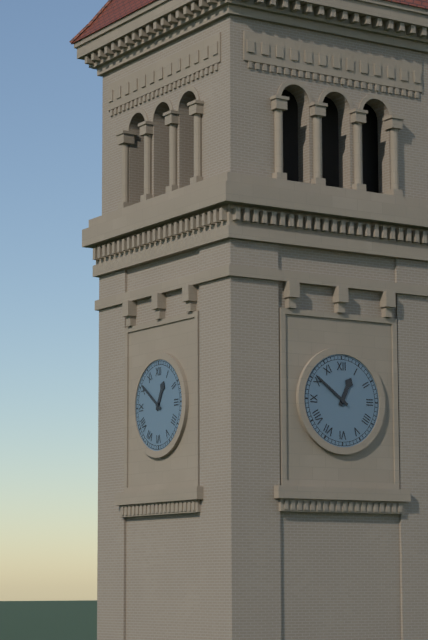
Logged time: 12 h 51 min
